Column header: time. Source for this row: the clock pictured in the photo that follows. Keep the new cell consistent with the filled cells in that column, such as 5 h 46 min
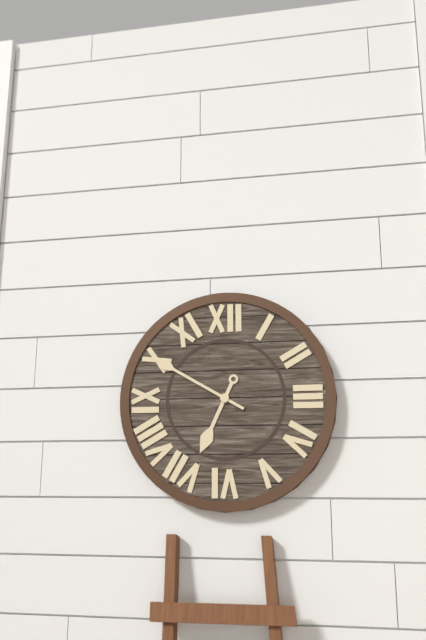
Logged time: 6 h 50 min
